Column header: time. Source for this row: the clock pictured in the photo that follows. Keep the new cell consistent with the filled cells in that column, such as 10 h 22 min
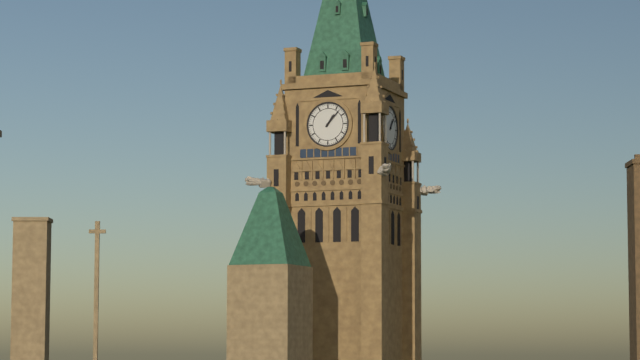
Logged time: 1 h 07 min
